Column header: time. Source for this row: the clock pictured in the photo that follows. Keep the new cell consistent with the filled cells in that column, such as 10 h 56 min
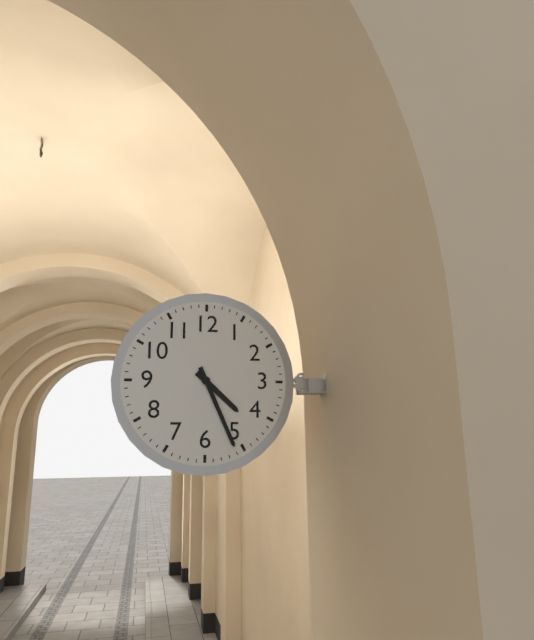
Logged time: 4 h 26 min
